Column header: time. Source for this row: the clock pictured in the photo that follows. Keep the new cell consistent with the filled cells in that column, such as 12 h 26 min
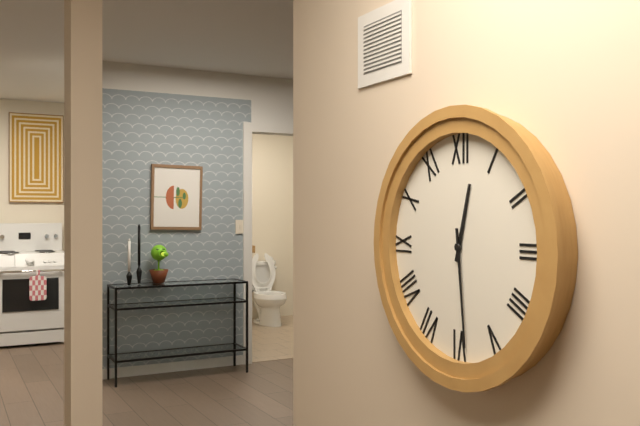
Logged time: 12 h 29 min
